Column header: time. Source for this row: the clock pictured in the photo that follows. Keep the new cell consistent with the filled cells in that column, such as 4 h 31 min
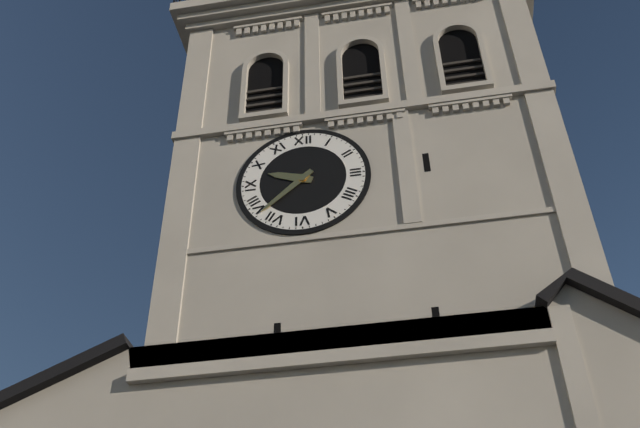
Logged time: 9 h 38 min
